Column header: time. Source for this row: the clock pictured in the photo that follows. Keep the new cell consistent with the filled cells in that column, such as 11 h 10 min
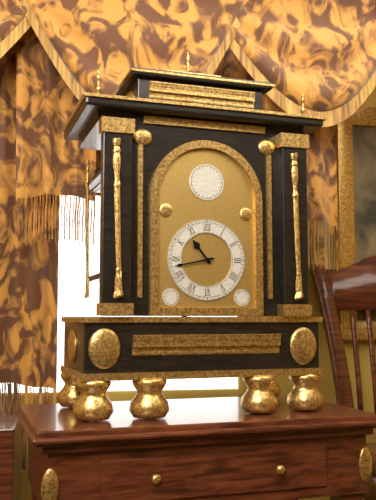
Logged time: 10 h 43 min
